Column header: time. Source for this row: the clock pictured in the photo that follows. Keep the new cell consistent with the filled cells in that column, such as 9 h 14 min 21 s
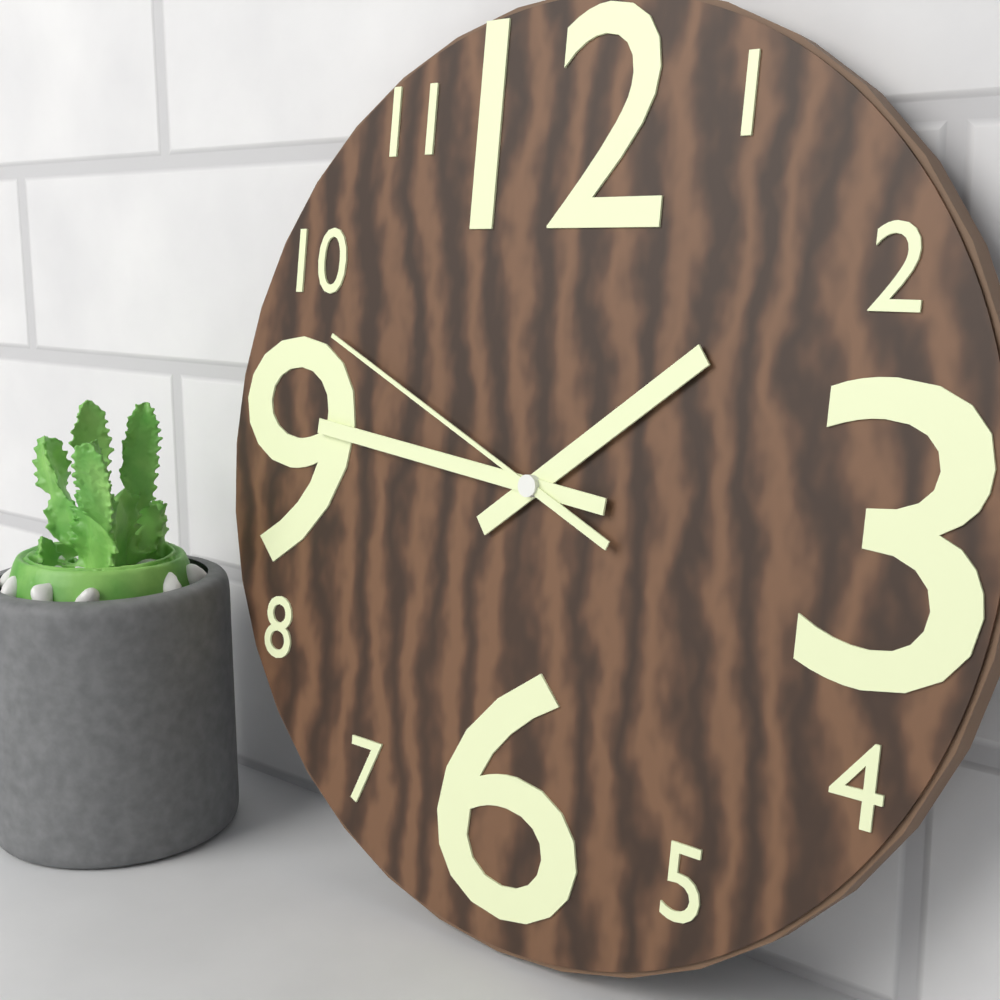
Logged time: 1 h 46 min 49 s
